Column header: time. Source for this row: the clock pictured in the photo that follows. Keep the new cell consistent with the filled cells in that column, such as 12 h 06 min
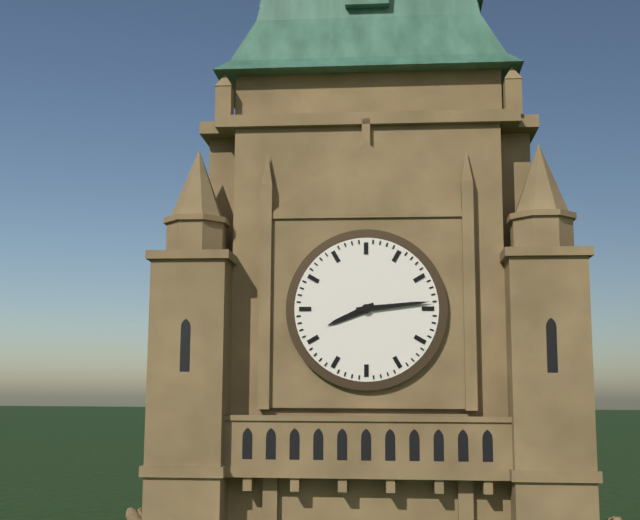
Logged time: 8 h 14 min
